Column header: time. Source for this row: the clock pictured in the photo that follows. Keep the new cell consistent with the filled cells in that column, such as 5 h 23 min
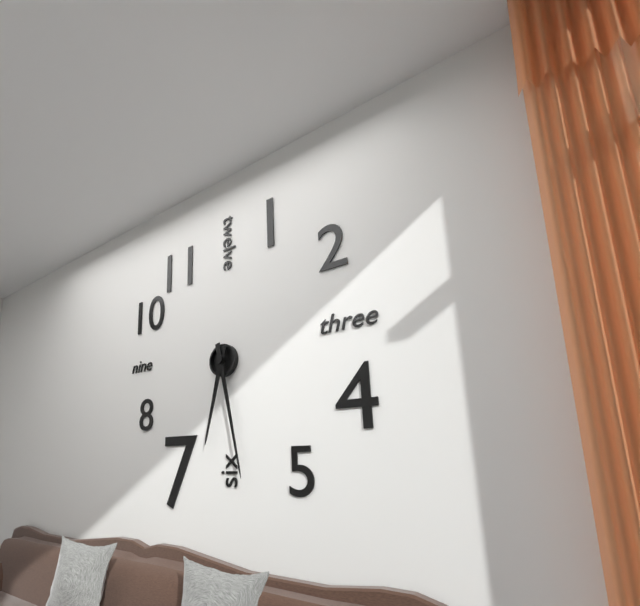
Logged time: 6 h 28 min
